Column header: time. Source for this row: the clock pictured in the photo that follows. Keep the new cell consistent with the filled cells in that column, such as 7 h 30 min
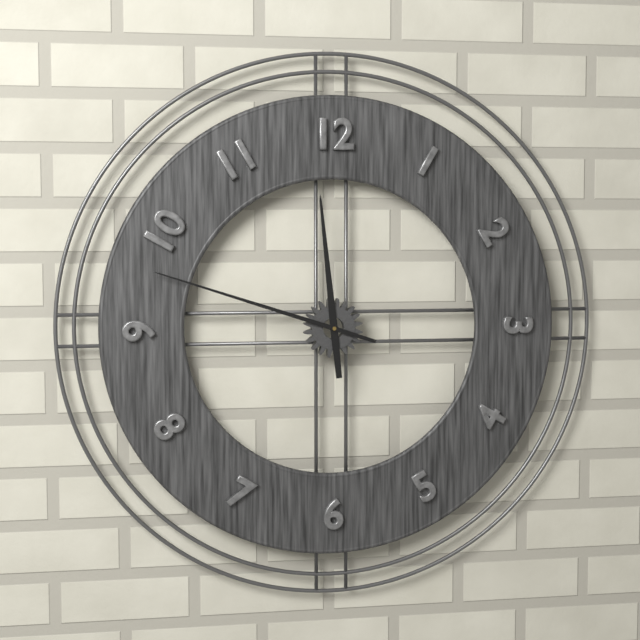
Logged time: 11 h 48 min
